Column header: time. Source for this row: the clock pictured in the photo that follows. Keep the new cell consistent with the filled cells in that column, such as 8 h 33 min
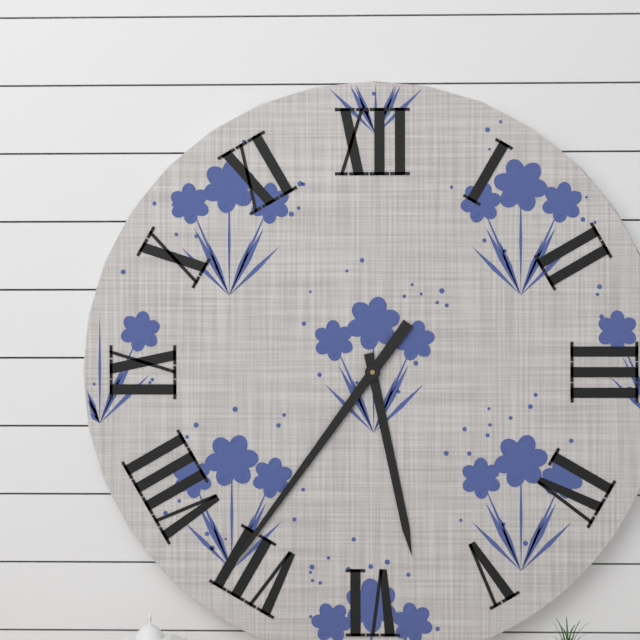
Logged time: 5 h 36 min
